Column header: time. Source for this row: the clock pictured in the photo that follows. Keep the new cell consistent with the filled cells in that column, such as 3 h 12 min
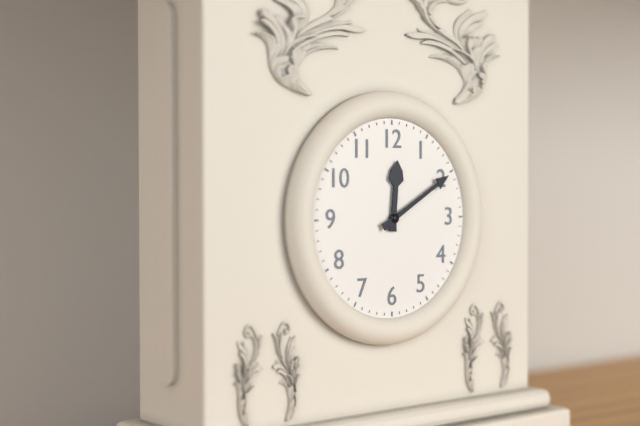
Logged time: 12 h 10 min
